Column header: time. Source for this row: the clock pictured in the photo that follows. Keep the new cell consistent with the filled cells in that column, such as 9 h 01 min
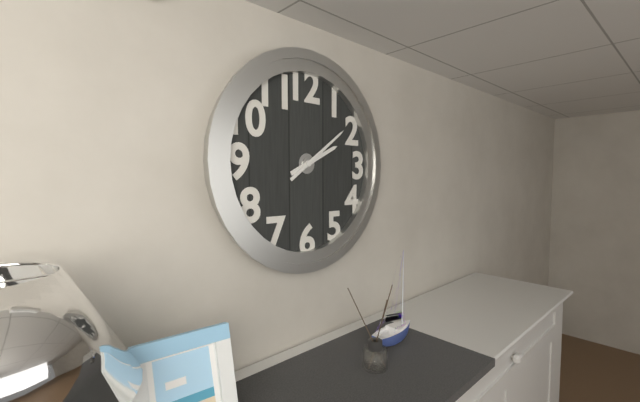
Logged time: 2 h 09 min
